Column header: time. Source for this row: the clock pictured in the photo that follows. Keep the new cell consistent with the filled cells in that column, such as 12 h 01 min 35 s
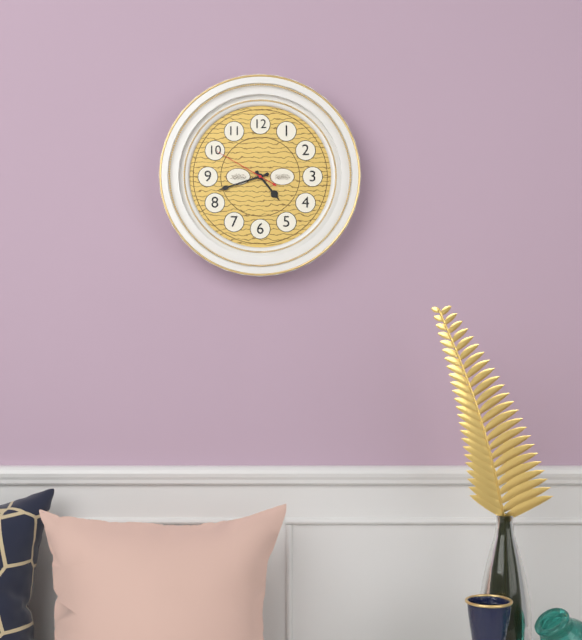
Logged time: 4 h 42 min 50 s
